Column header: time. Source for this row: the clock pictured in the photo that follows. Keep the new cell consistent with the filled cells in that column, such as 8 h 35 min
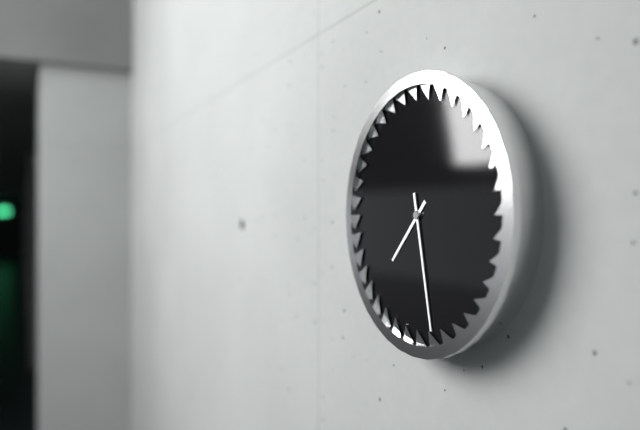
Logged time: 7 h 28 min
